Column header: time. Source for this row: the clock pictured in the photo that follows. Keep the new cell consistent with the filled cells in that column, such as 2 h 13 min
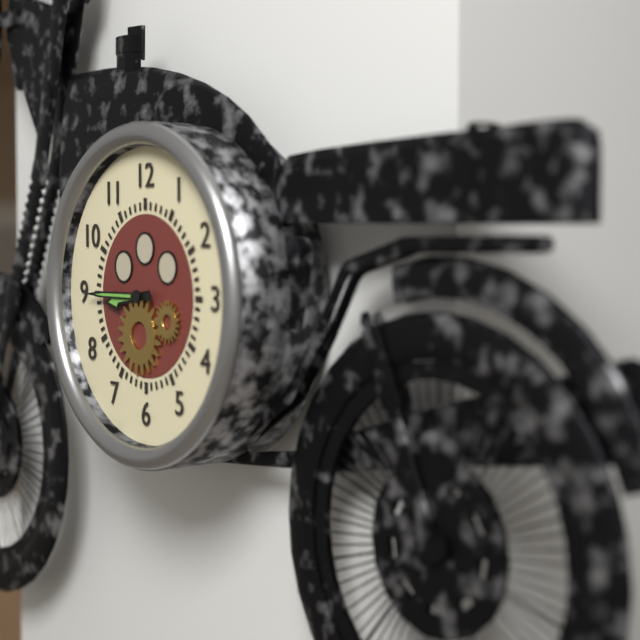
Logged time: 8 h 45 min
